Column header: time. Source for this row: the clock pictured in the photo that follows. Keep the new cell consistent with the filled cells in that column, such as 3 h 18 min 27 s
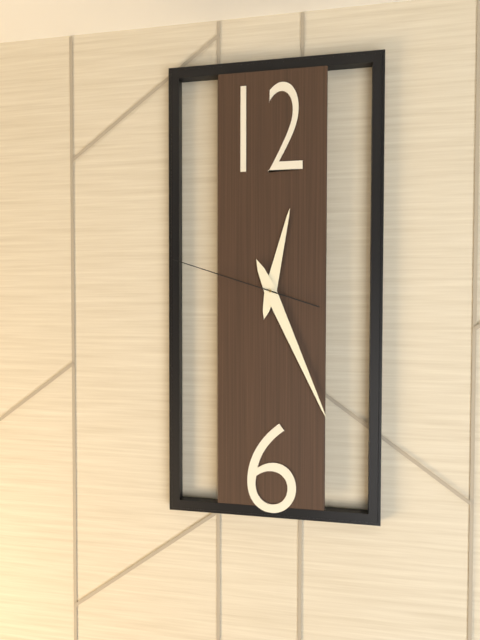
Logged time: 12 h 26 min 48 s
